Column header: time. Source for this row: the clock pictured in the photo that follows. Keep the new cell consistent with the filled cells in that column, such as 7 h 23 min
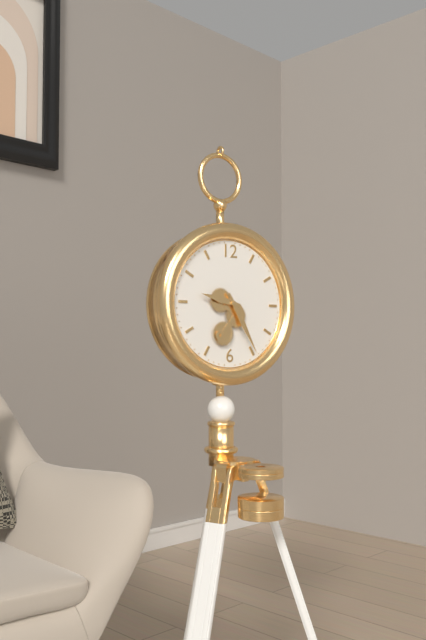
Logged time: 9 h 25 min
